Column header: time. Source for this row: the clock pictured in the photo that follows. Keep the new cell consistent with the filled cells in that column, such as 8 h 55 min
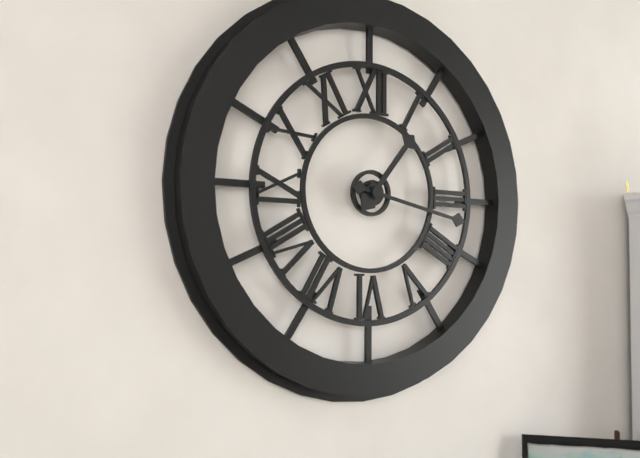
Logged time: 1 h 17 min
